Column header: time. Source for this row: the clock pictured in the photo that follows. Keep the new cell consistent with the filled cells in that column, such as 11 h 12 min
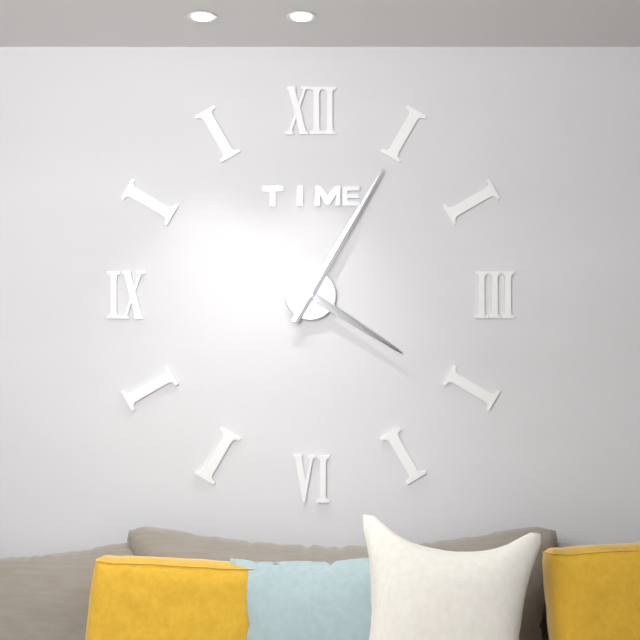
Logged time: 4 h 05 min
